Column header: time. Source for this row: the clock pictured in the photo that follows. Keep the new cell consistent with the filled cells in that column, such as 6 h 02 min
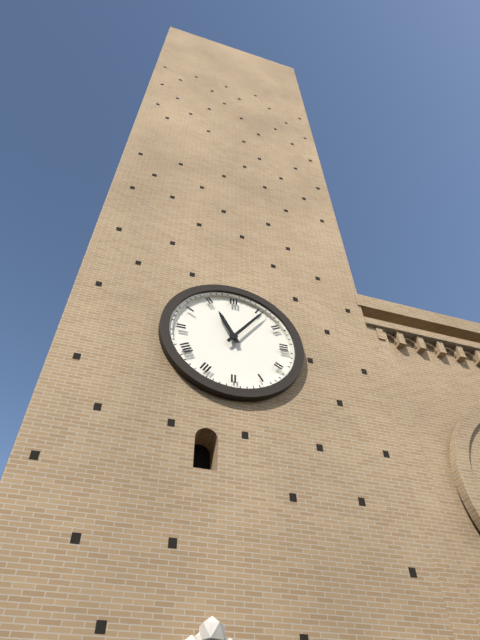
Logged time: 11 h 06 min
